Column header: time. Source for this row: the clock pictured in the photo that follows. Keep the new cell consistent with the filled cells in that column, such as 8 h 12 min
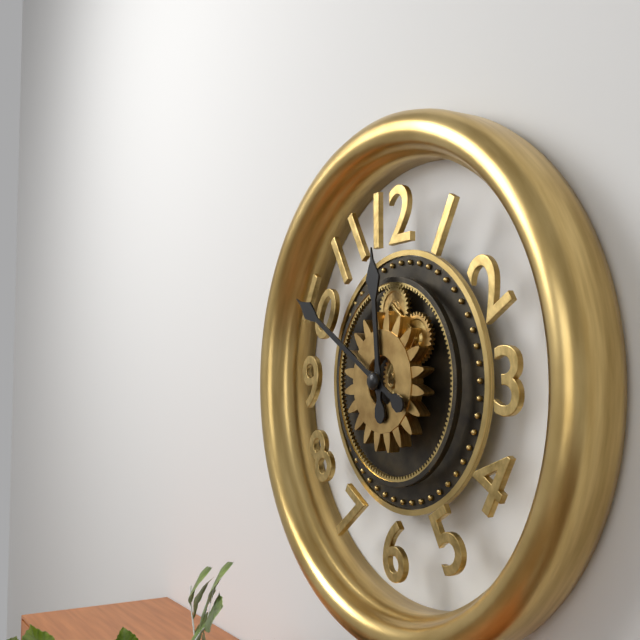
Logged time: 11 h 50 min
